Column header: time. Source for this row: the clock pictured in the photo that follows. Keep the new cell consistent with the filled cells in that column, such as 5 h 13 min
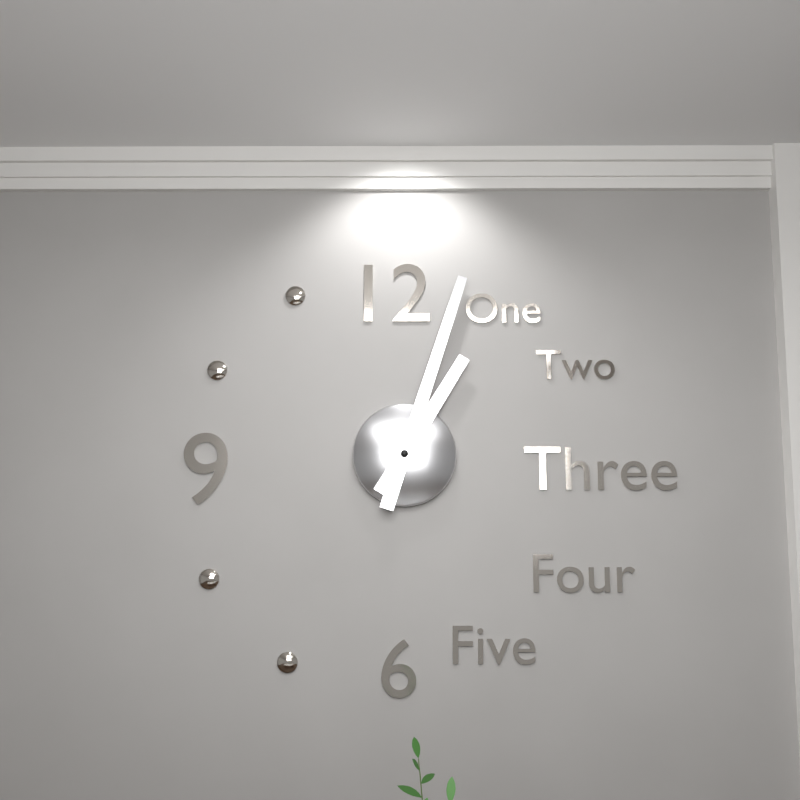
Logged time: 1 h 03 min
